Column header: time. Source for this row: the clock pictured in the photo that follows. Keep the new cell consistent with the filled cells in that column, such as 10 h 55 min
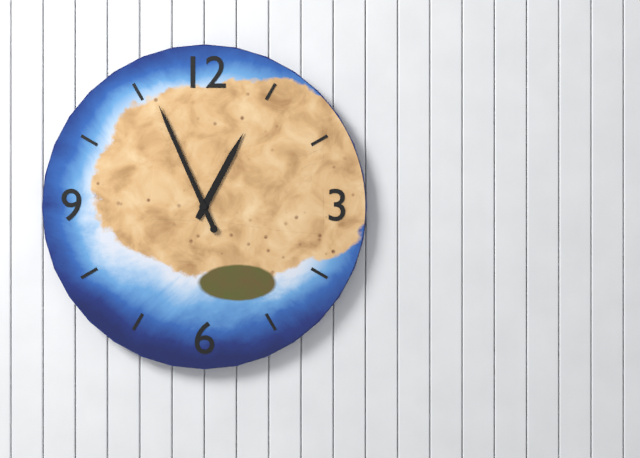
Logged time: 12 h 56 min
